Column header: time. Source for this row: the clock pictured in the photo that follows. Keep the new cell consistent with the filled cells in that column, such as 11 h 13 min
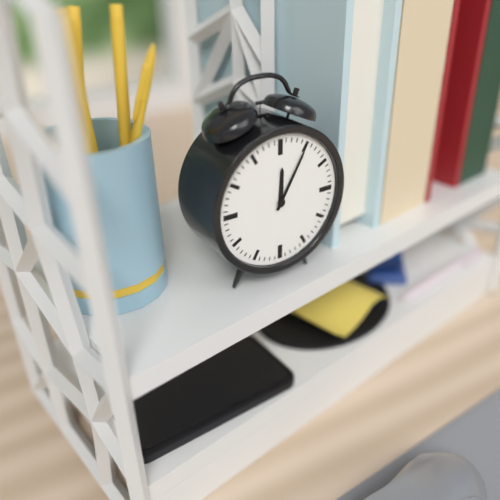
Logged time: 12 h 05 min
